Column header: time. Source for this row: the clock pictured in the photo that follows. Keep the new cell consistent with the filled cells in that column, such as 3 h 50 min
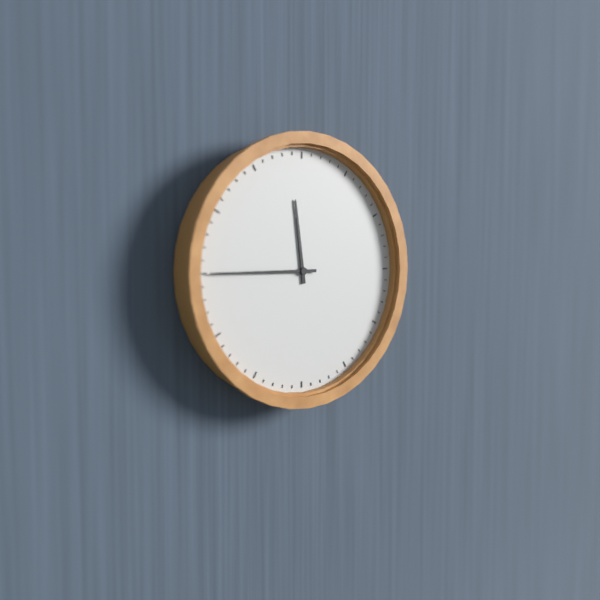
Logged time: 11 h 45 min
